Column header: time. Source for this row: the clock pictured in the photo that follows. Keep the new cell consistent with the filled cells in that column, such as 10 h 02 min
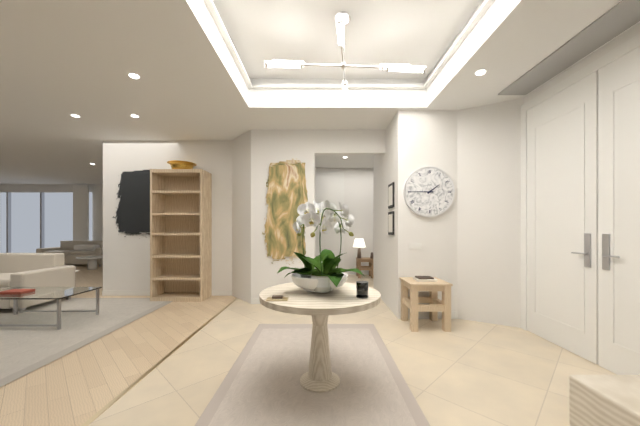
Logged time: 1 h 45 min
